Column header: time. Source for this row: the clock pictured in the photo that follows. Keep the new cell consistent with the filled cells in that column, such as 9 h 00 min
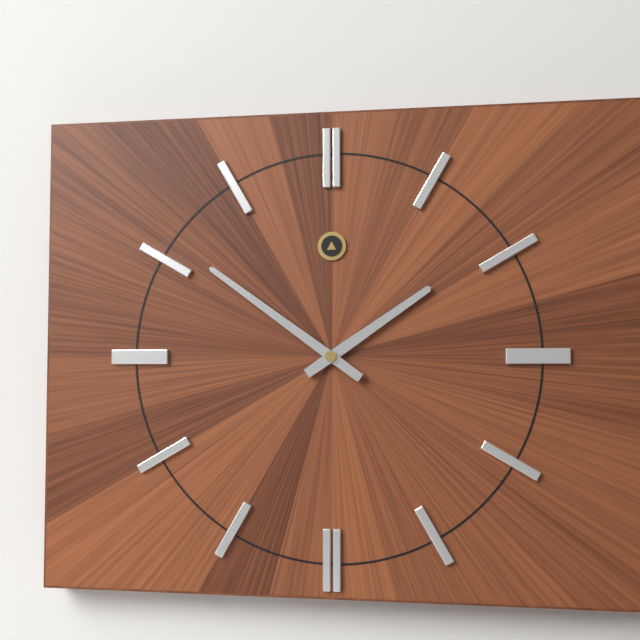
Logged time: 1 h 51 min
